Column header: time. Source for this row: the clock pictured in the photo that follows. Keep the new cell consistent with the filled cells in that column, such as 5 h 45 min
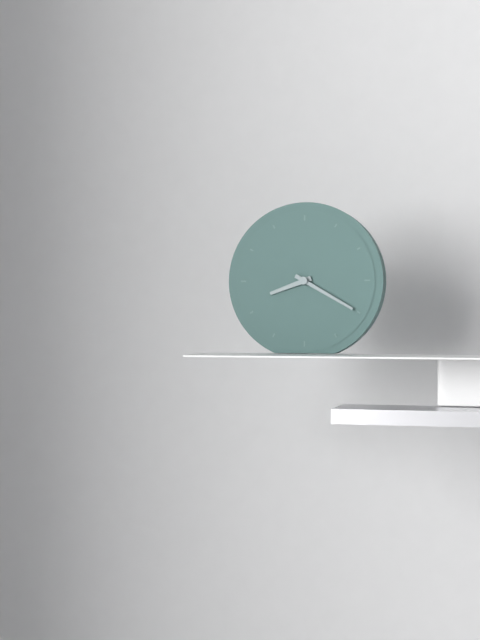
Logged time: 8 h 20 min
